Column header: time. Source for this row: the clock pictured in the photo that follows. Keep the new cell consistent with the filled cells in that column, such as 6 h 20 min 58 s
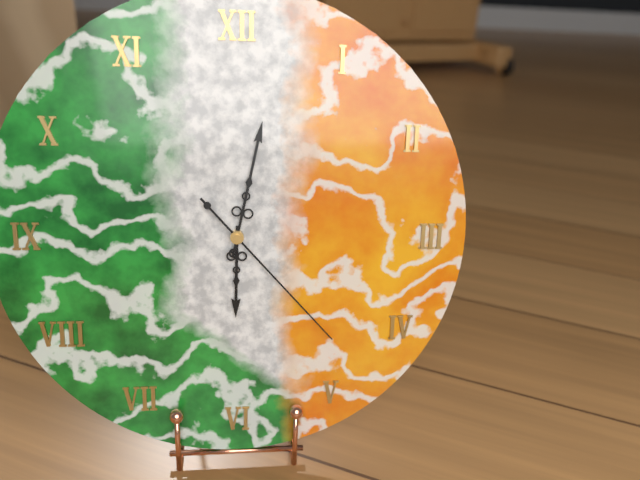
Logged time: 6 h 02 min 23 s
